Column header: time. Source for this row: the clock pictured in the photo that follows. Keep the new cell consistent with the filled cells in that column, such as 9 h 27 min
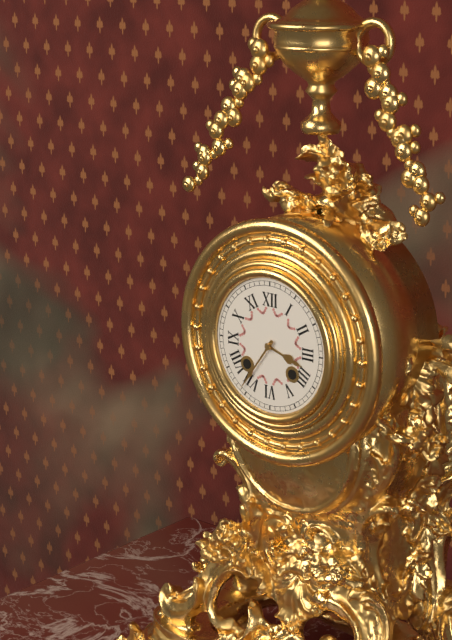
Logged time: 3 h 36 min
